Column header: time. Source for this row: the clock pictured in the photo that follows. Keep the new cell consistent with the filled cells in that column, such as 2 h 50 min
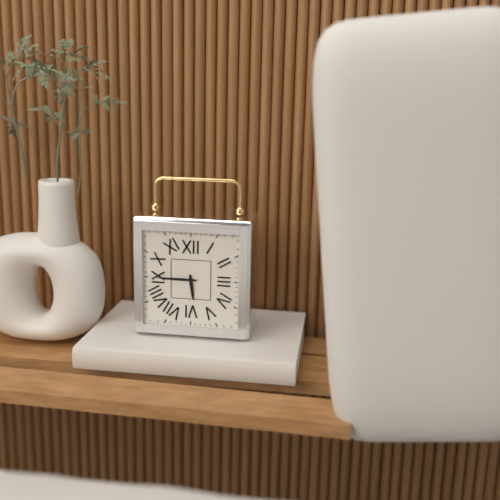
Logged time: 5 h 45 min
